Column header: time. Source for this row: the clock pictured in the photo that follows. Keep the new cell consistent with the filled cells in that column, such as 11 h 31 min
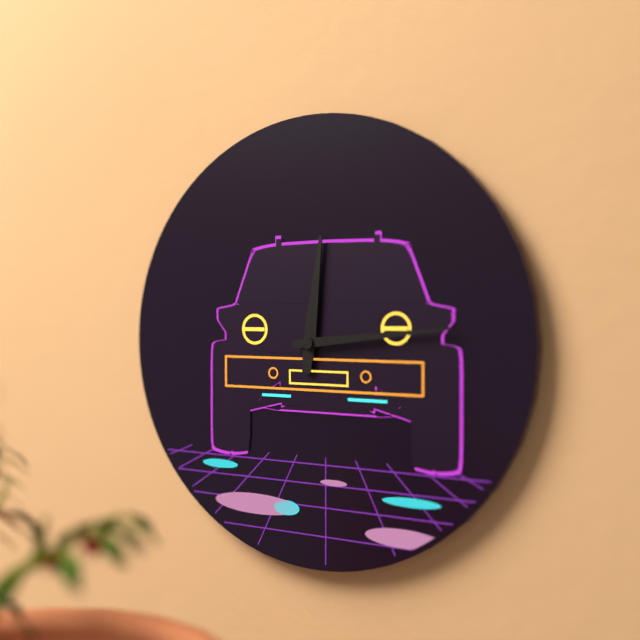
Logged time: 12 h 14 min
